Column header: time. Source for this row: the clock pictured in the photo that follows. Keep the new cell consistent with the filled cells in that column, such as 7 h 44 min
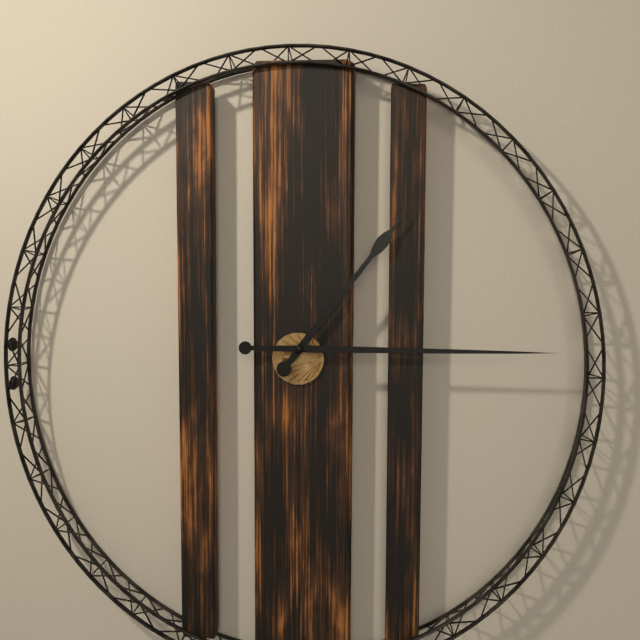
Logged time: 1 h 15 min
